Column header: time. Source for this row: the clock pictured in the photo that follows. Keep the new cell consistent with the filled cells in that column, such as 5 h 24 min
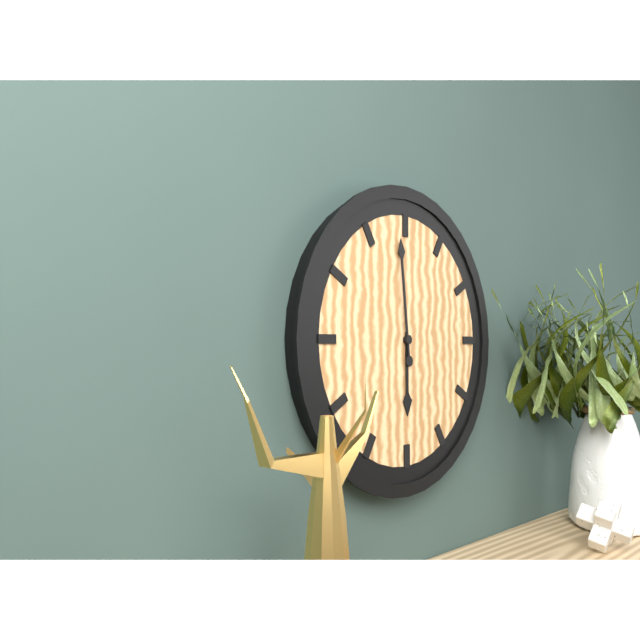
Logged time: 5 h 59 min
